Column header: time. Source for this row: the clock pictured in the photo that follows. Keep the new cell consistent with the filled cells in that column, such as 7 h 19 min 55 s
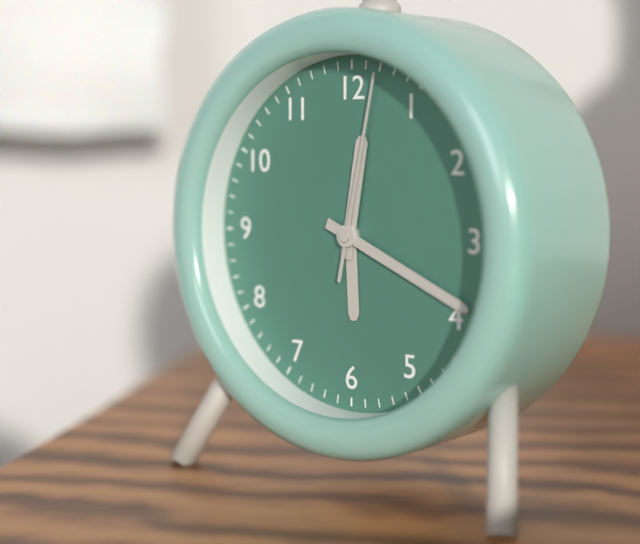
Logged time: 12 h 19 min 02 s
